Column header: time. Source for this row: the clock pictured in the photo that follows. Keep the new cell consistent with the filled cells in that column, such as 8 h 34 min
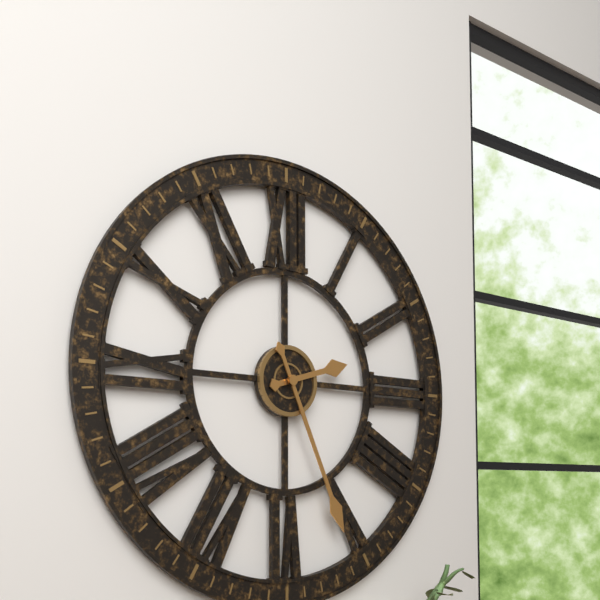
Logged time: 2 h 26 min
